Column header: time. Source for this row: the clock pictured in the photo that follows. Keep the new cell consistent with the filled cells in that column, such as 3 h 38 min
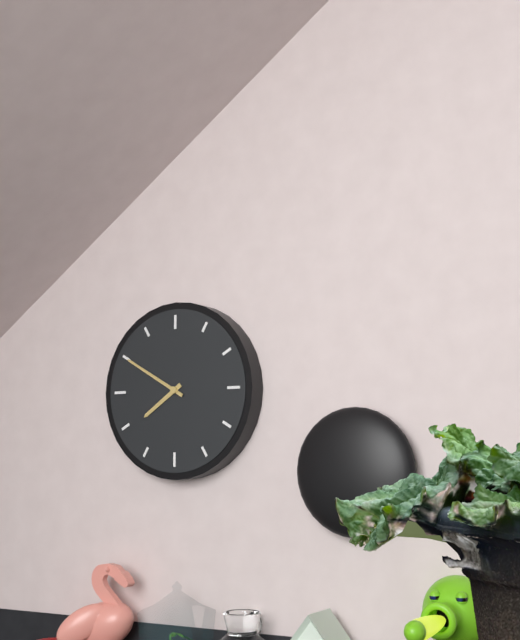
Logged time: 7 h 50 min
